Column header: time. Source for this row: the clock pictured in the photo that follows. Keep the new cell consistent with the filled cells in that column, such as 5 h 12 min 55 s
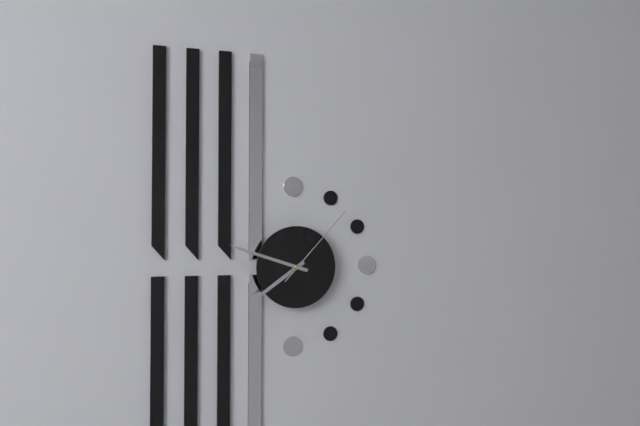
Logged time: 7 h 48 min 07 s
